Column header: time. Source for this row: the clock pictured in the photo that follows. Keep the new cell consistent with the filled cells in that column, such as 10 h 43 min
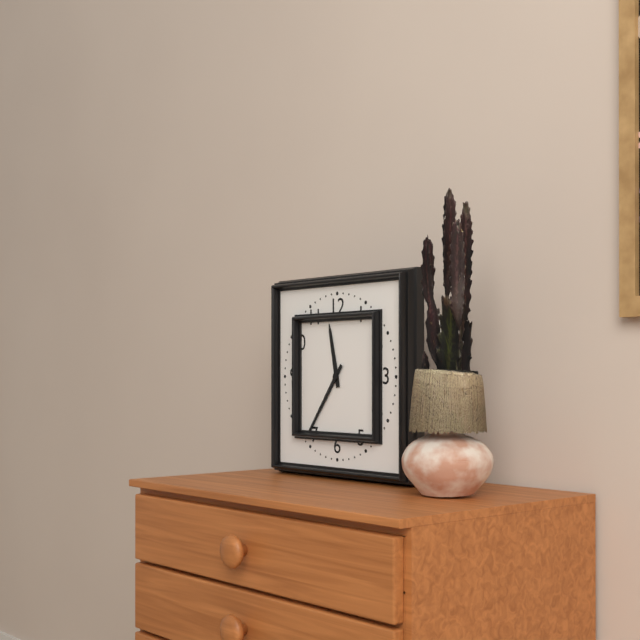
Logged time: 11 h 36 min
